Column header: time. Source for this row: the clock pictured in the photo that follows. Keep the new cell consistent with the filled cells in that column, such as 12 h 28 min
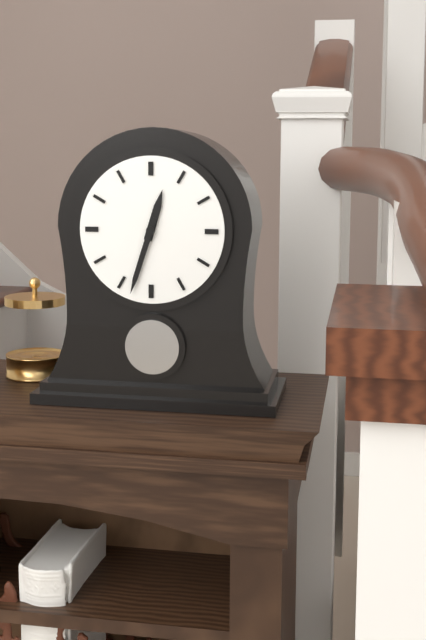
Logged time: 12 h 33 min
